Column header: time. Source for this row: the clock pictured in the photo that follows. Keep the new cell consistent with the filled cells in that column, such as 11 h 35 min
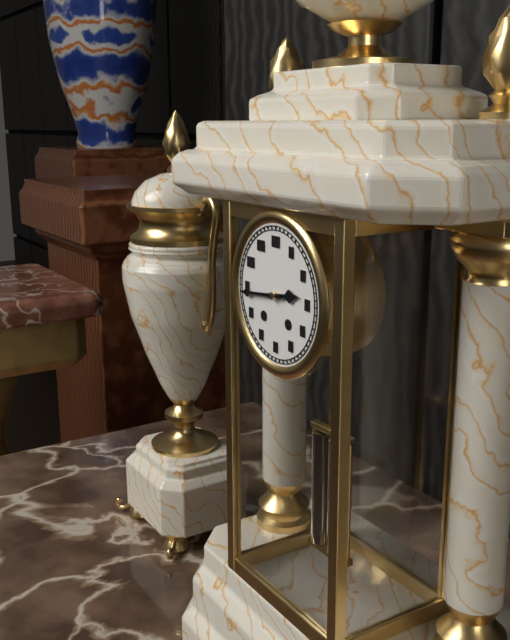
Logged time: 2 h 44 min
